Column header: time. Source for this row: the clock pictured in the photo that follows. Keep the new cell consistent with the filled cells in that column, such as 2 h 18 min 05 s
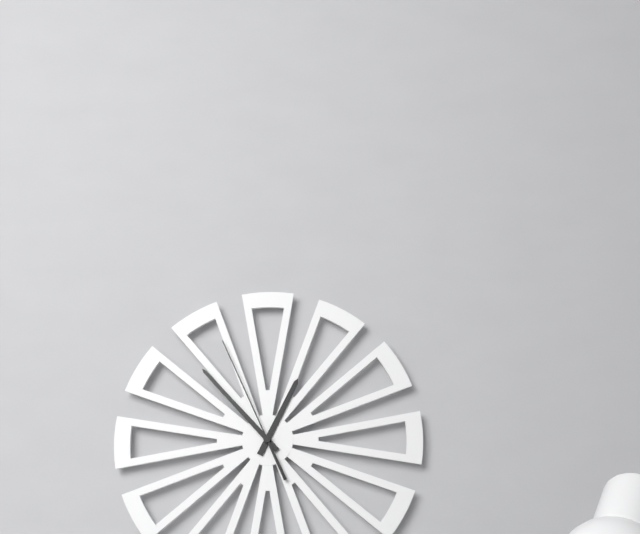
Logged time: 12 h 53 min 56 s
